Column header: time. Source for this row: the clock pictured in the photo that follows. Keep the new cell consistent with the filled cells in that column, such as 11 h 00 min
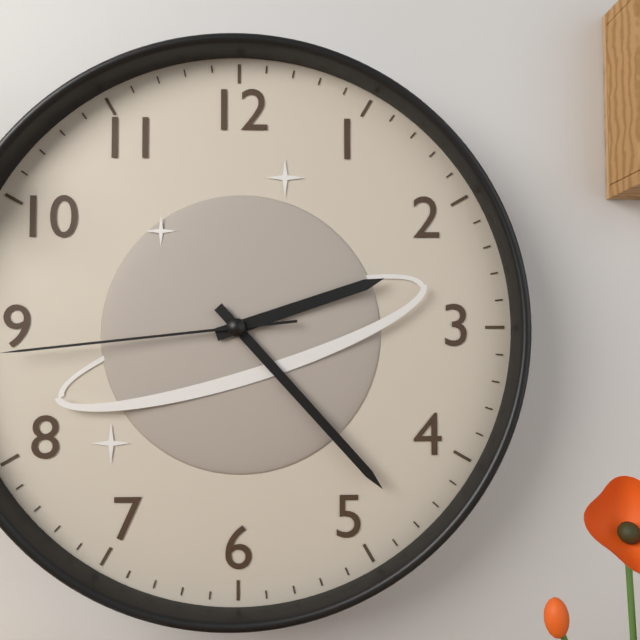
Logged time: 2 h 23 min
